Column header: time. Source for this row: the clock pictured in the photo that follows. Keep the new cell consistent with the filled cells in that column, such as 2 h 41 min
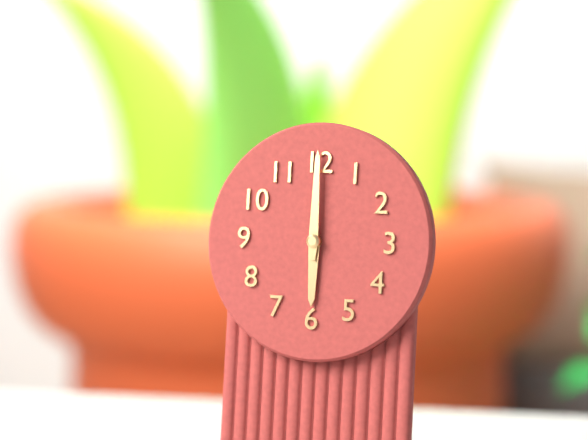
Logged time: 6 h 00 min
